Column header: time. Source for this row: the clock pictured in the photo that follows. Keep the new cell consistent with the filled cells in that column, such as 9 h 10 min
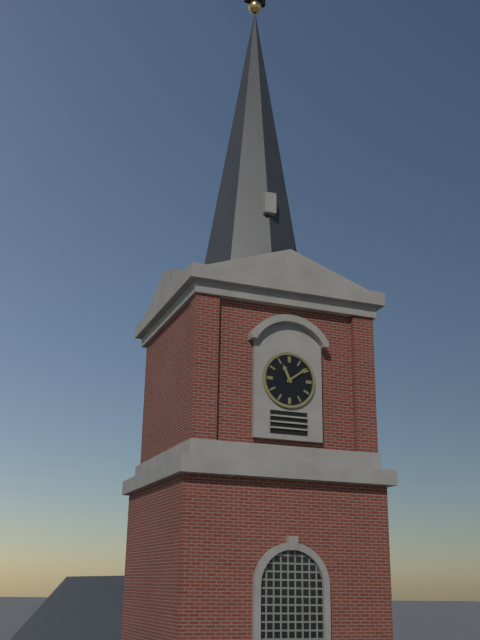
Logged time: 11 h 09 min
